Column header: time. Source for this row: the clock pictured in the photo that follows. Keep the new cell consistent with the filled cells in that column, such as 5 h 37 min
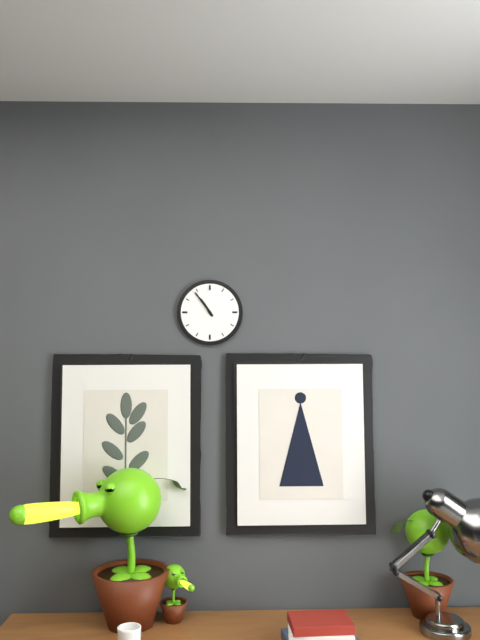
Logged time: 10 h 54 min
